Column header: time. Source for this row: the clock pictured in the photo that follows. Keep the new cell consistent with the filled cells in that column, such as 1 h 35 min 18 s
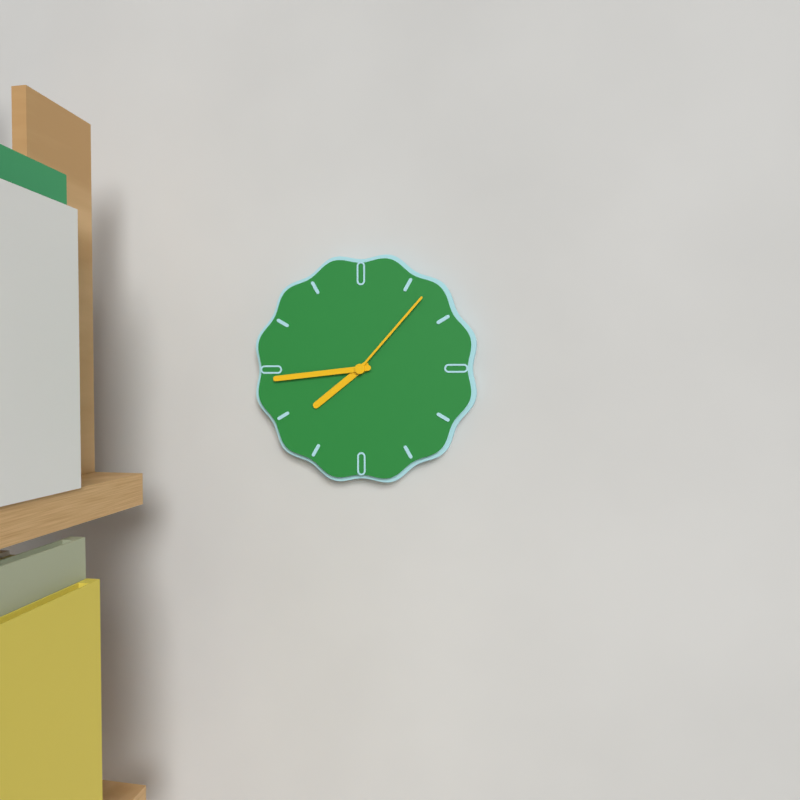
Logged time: 7 h 44 min 07 s
